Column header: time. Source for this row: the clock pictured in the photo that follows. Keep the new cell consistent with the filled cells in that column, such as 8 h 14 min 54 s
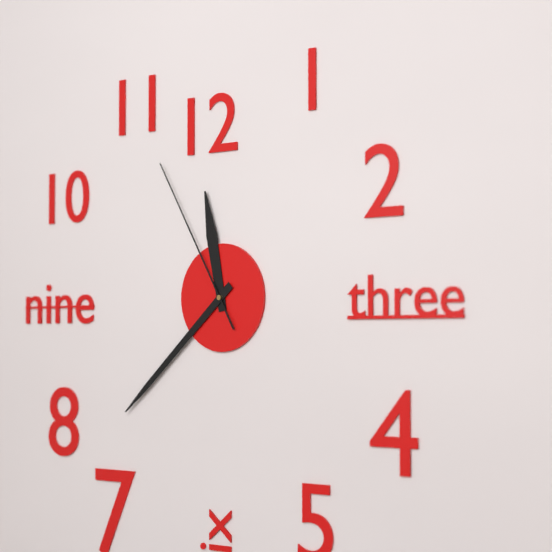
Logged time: 11 h 38 min 55 s
